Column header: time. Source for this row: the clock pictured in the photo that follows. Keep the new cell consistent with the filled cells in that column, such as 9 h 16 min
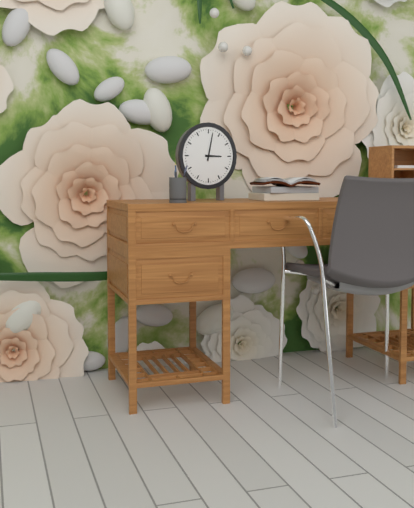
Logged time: 3 h 02 min
